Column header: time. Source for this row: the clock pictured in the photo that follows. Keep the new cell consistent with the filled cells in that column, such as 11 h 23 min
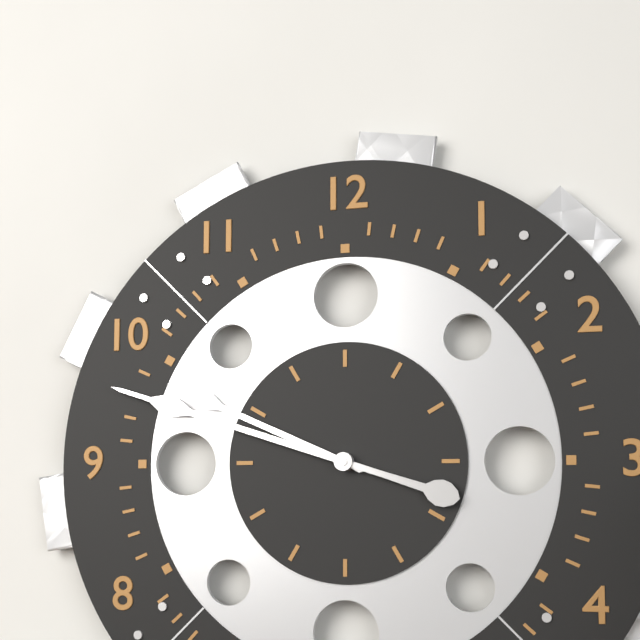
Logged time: 9 h 48 min
